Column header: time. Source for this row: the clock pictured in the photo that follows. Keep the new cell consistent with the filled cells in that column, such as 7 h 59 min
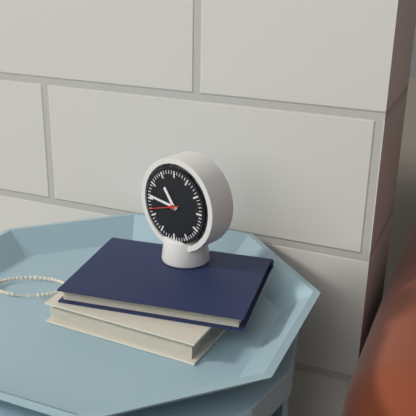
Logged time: 10 h 46 min
